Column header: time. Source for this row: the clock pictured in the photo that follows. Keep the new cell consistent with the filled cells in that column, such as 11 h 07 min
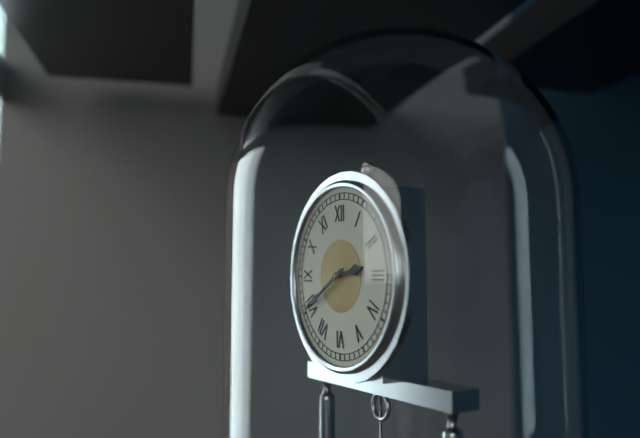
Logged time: 2 h 40 min
